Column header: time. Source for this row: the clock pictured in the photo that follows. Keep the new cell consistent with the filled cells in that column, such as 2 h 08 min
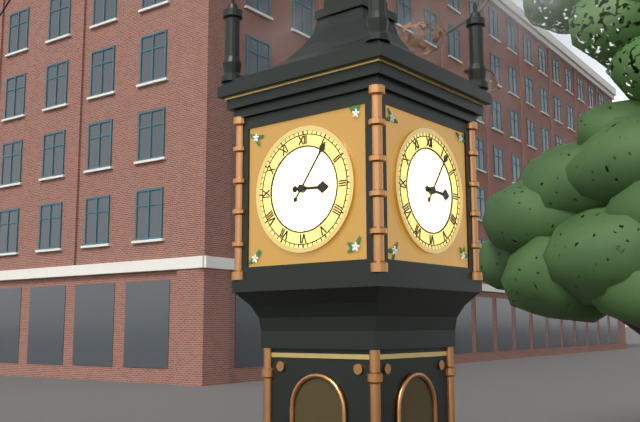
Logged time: 3 h 06 min
